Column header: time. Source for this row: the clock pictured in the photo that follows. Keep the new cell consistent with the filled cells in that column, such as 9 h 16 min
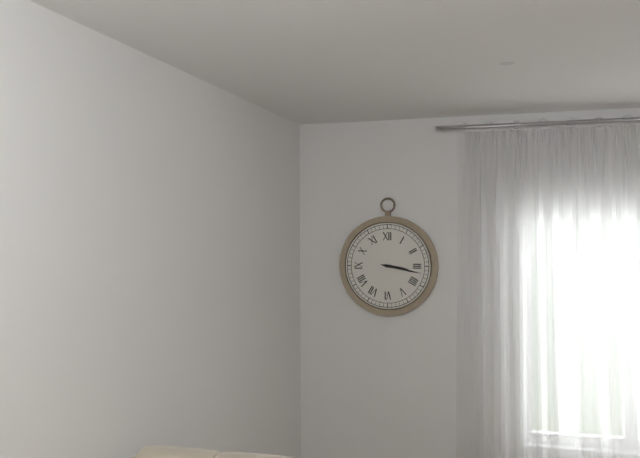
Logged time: 3 h 17 min
